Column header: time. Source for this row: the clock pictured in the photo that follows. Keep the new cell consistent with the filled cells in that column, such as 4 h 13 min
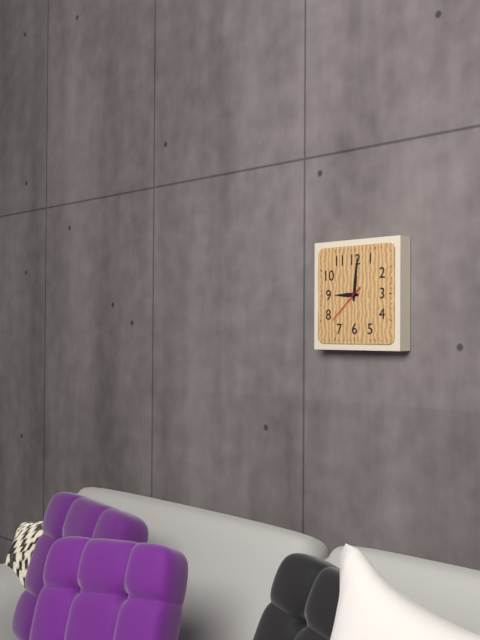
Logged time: 9 h 01 min
